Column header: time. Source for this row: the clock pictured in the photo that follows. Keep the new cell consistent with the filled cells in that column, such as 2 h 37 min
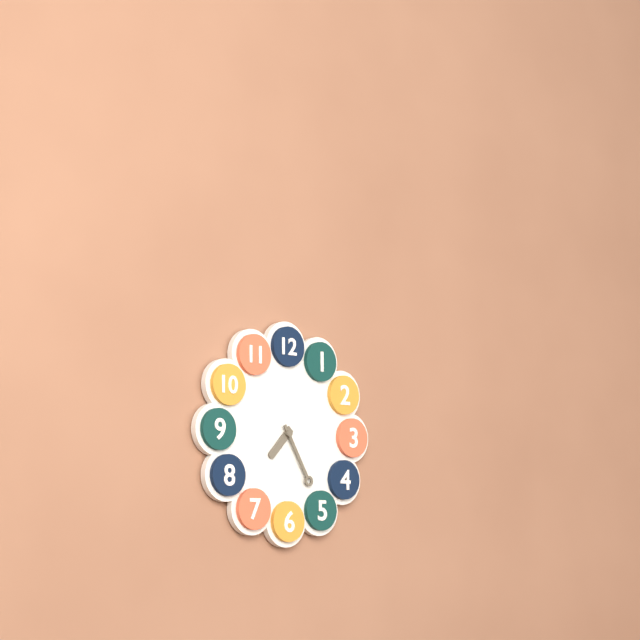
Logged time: 7 h 25 min
